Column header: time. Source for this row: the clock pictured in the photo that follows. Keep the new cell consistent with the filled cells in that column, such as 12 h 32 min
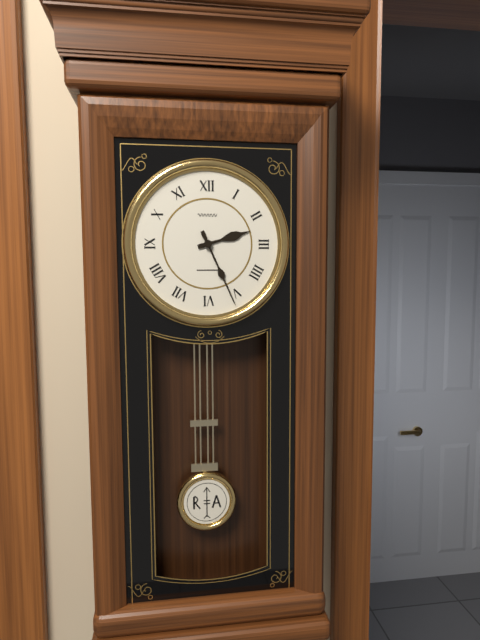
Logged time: 2 h 26 min
